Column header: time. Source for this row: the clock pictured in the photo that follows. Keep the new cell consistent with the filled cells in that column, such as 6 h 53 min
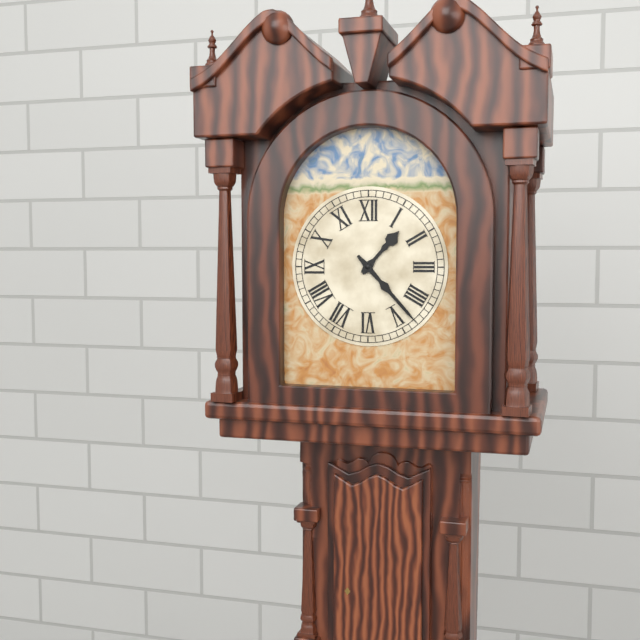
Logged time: 1 h 23 min
